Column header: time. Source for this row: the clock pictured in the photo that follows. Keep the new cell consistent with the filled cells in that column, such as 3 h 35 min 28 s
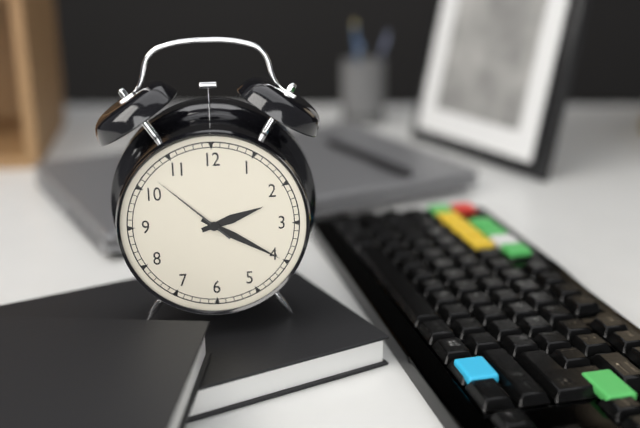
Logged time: 2 h 20 min 52 s
